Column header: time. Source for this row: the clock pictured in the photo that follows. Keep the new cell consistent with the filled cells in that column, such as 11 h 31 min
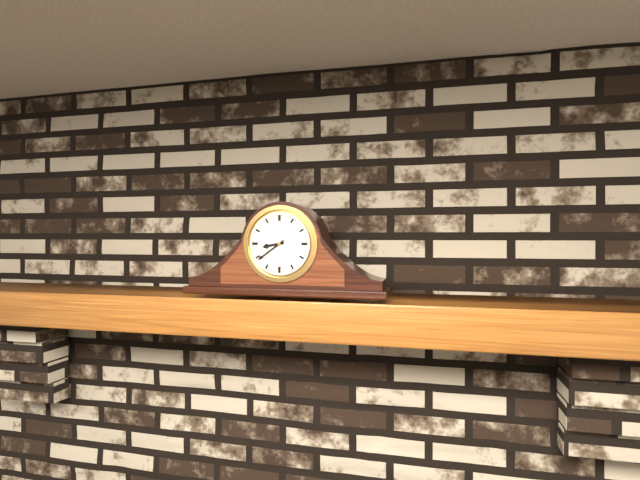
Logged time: 8 h 39 min
